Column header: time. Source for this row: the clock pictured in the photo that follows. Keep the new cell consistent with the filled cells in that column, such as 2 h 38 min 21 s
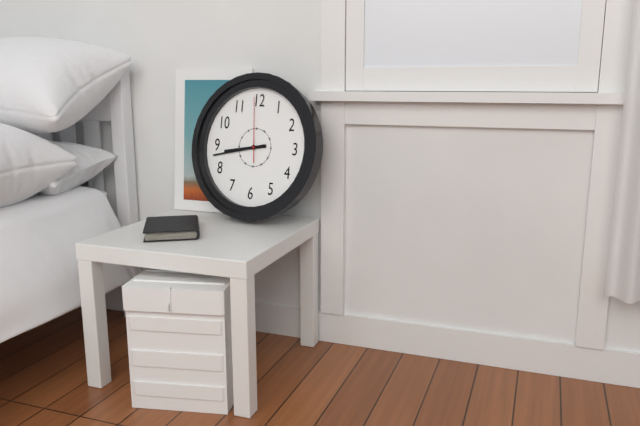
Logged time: 8 h 43 min 59 s
